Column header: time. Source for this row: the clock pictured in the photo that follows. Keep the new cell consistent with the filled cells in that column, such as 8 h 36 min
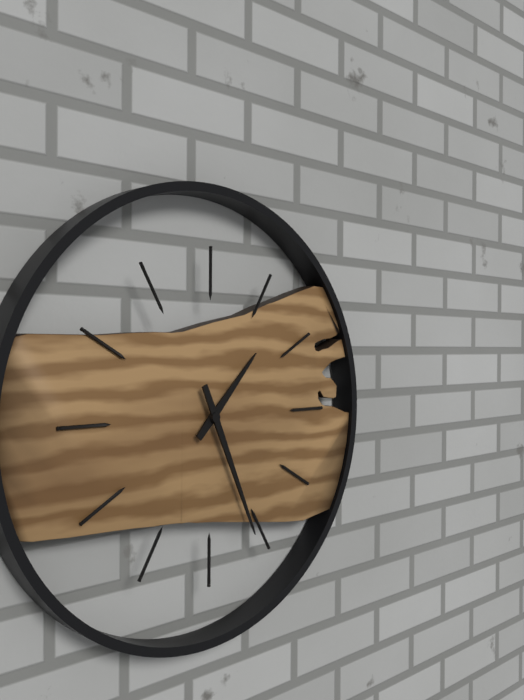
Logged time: 1 h 26 min
